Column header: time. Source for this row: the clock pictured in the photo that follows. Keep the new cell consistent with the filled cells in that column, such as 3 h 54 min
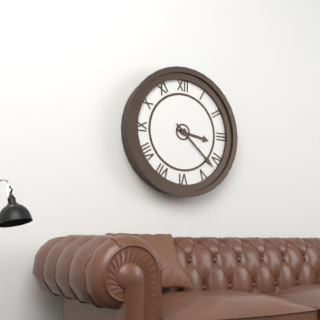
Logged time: 3 h 22 min
